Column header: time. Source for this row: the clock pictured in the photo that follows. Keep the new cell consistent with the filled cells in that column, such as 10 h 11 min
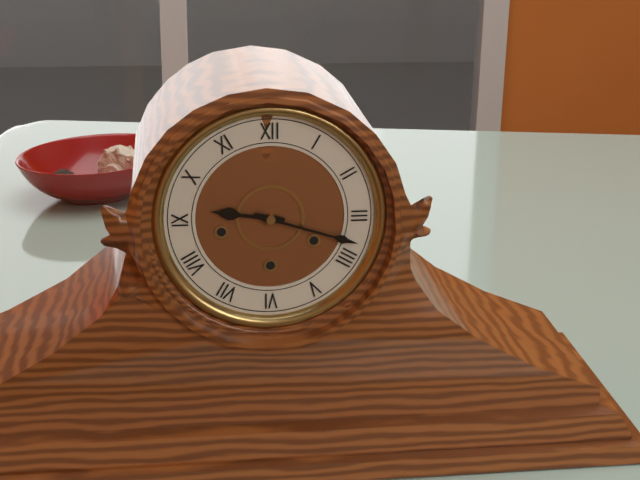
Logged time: 9 h 18 min
